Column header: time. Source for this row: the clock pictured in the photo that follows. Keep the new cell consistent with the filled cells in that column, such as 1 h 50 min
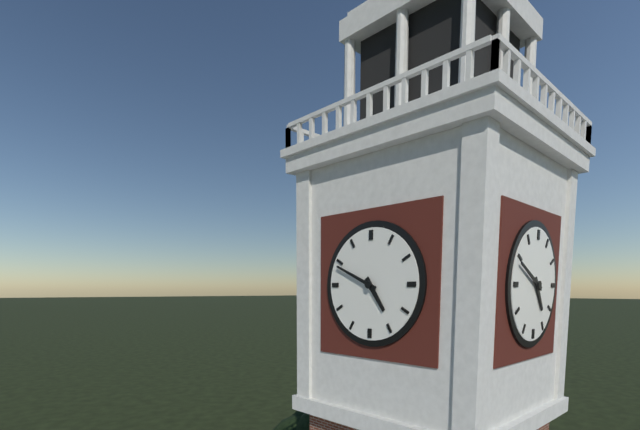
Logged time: 4 h 49 min
